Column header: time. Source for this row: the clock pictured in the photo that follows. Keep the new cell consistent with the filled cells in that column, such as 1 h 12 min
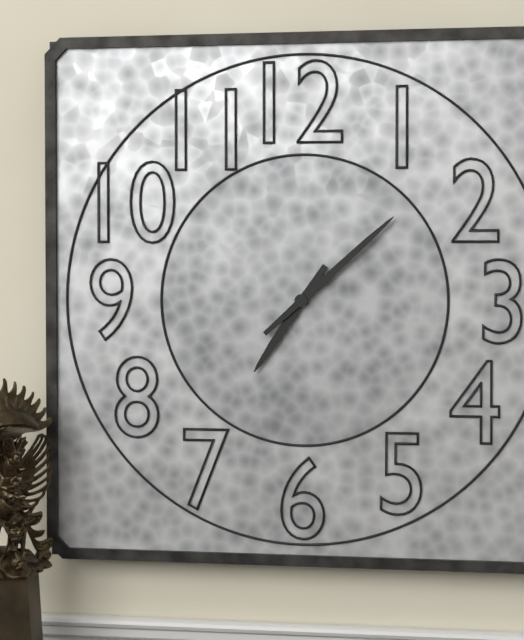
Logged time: 7 h 08 min
